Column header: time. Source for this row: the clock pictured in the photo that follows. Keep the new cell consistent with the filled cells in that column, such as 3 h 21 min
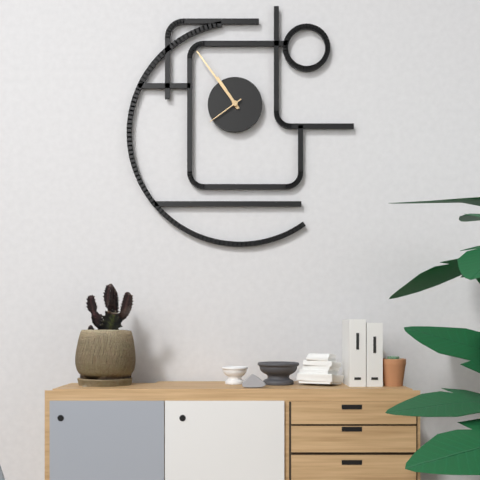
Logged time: 10 h 54 min
